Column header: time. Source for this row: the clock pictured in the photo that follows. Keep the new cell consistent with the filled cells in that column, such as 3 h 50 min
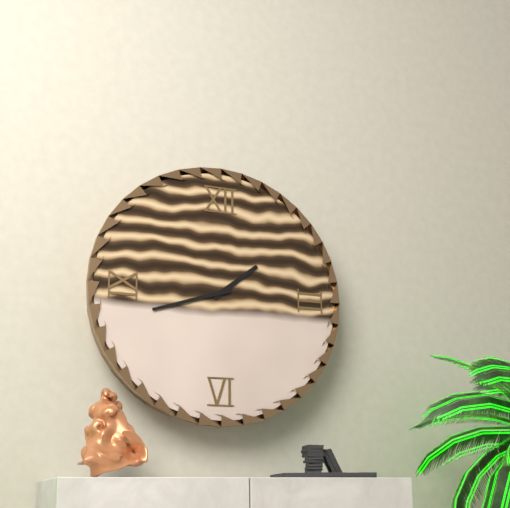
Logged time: 1 h 42 min
